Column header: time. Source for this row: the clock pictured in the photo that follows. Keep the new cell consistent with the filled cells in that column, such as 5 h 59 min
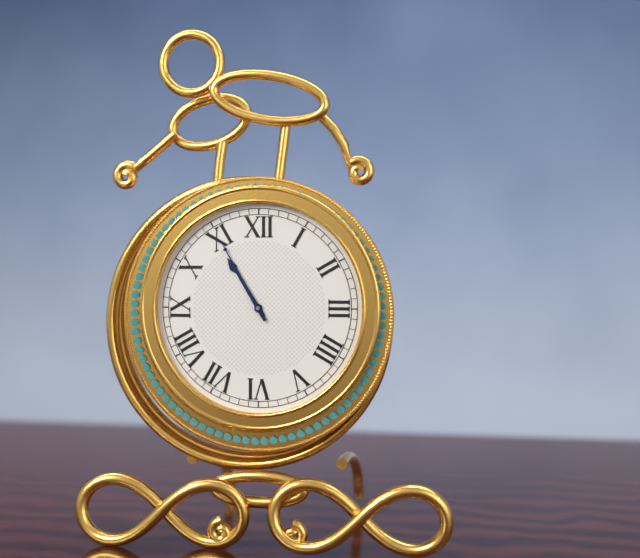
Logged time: 10 h 55 min
